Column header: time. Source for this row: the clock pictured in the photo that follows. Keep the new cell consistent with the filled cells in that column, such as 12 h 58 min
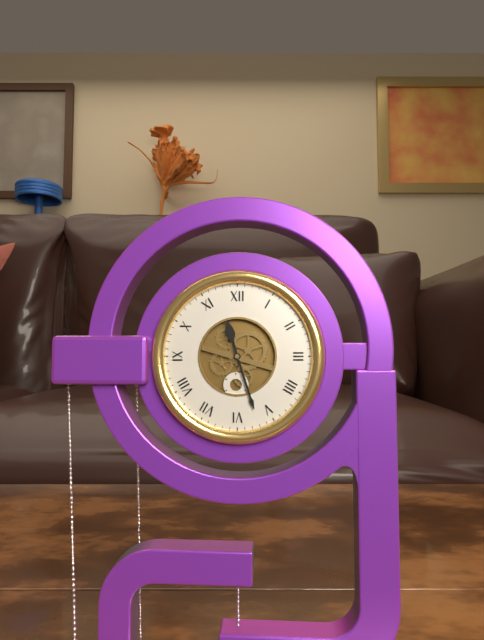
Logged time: 11 h 27 min
